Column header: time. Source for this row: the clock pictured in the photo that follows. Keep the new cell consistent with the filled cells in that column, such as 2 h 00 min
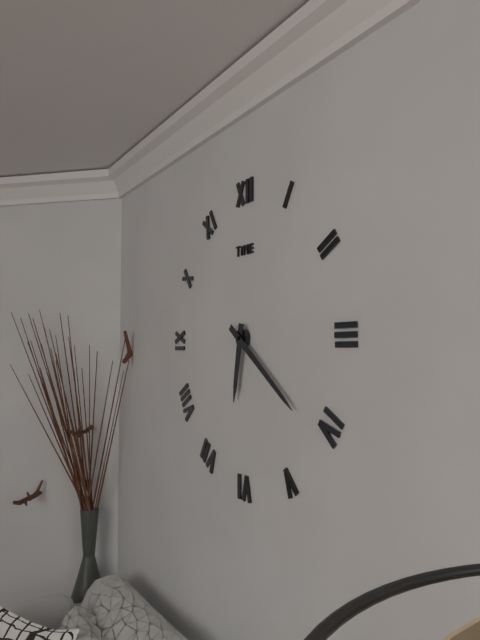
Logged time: 6 h 21 min
